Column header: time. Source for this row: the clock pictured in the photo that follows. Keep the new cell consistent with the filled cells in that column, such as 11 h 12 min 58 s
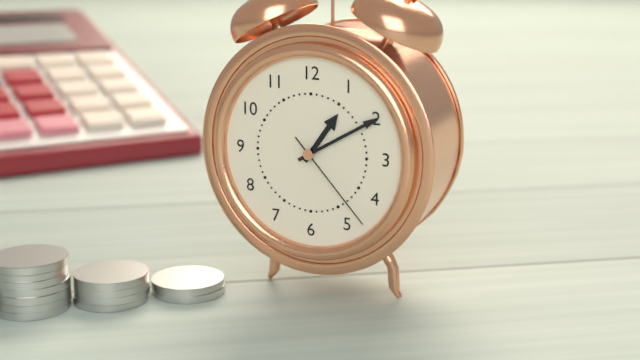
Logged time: 1 h 10 min 23 s
